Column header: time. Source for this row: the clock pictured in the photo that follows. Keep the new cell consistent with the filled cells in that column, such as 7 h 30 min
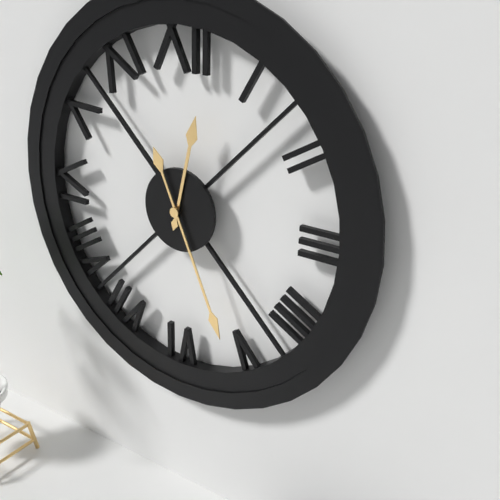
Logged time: 12 h 26 min
